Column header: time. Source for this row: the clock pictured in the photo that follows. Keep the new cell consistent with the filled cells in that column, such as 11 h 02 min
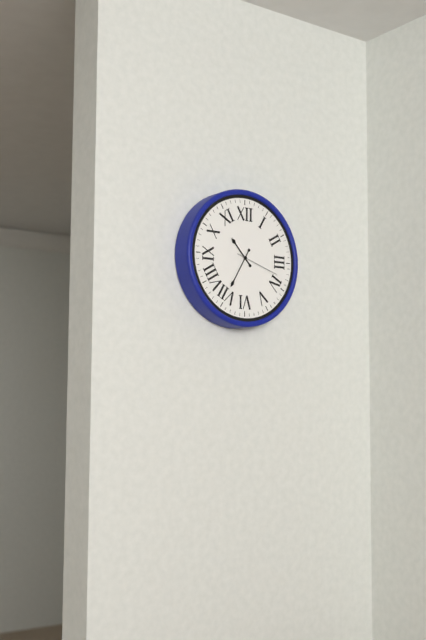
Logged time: 10 h 35 min
